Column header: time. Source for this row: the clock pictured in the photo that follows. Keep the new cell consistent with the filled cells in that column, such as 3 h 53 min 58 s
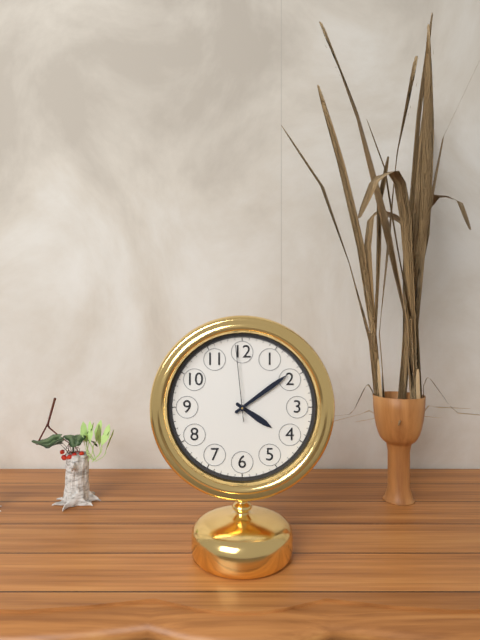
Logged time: 4 h 09 min 59 s
